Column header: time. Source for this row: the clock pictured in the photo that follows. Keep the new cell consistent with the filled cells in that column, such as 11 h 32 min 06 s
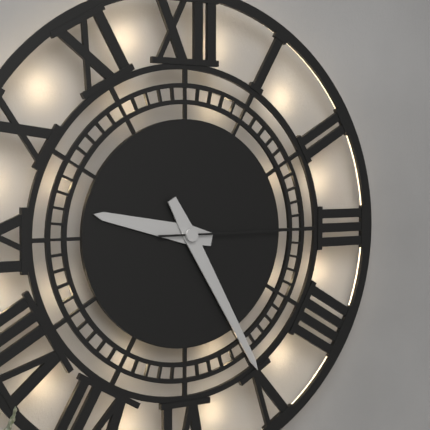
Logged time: 9 h 25 min 15 s
